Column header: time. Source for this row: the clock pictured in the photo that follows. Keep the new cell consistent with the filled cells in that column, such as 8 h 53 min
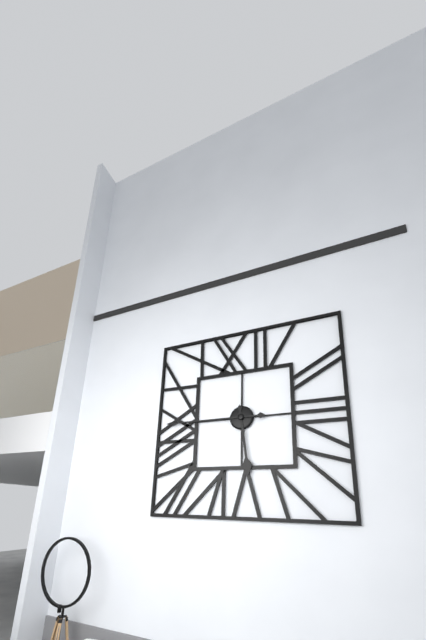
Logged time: 5 h 45 min
